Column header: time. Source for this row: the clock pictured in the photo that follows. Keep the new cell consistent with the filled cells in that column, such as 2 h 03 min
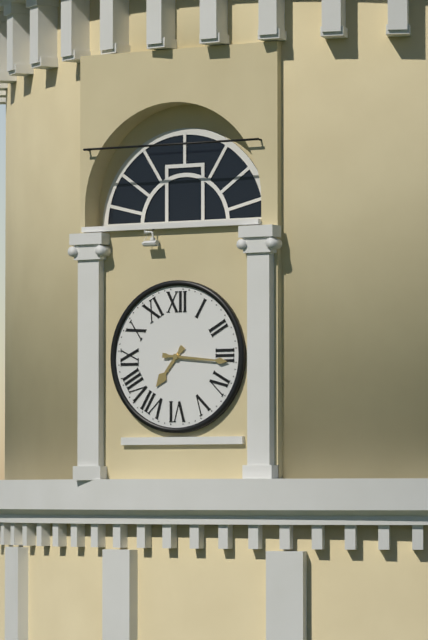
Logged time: 7 h 16 min
